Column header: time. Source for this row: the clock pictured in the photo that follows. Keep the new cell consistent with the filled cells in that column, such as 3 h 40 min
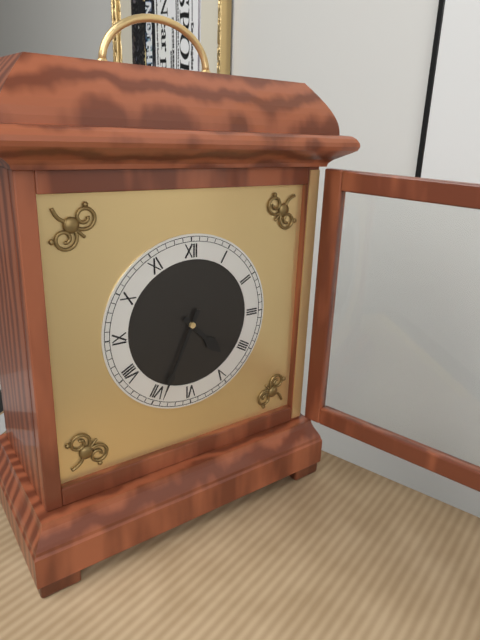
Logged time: 4 h 34 min
